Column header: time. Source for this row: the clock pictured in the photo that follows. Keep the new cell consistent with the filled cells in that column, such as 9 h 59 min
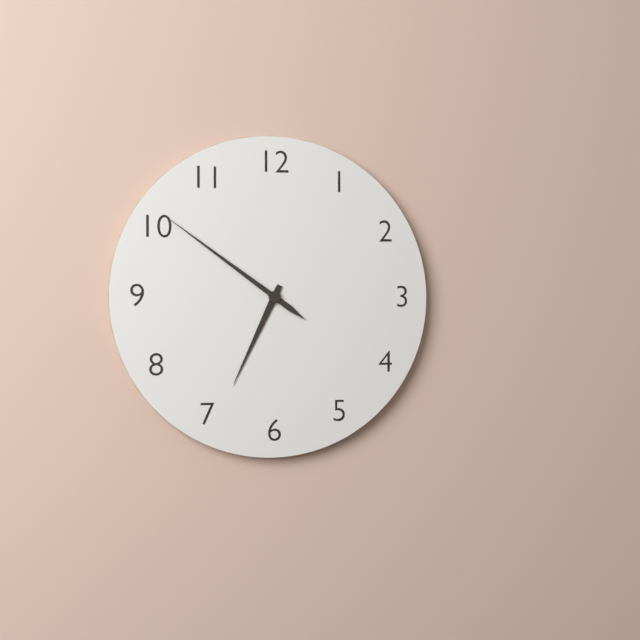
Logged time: 6 h 51 min
